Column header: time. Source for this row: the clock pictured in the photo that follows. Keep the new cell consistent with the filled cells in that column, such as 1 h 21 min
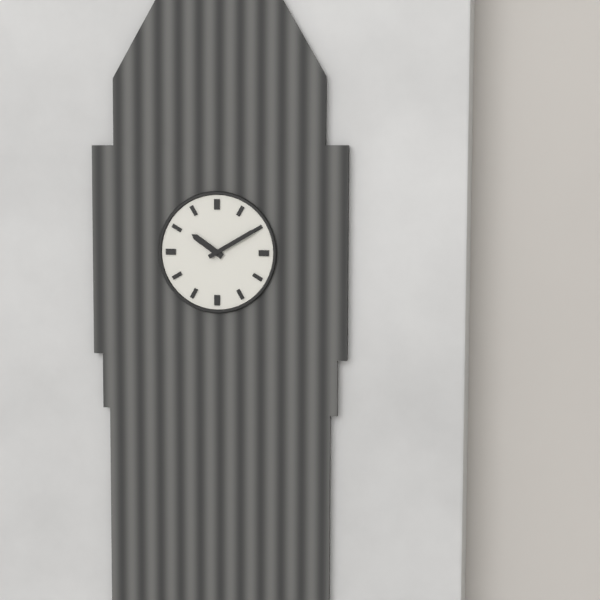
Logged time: 10 h 10 min
